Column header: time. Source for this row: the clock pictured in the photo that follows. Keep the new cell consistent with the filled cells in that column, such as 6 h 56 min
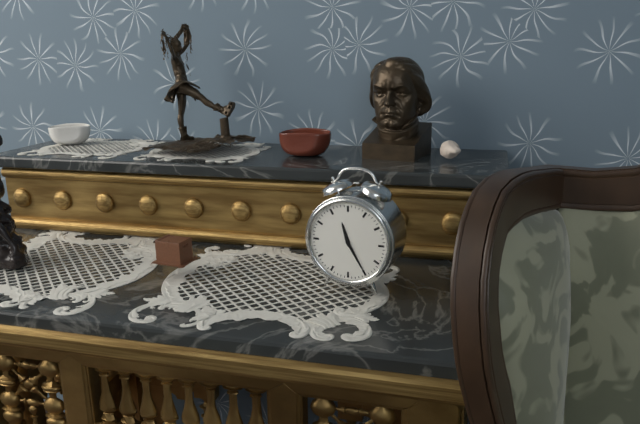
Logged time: 11 h 25 min
